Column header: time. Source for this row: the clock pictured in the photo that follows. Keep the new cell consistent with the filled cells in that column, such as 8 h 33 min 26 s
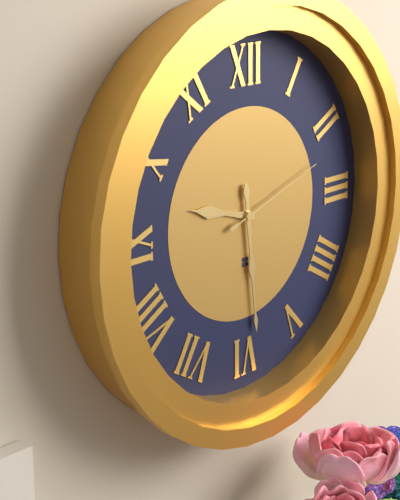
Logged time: 9 h 29 min 12 s
